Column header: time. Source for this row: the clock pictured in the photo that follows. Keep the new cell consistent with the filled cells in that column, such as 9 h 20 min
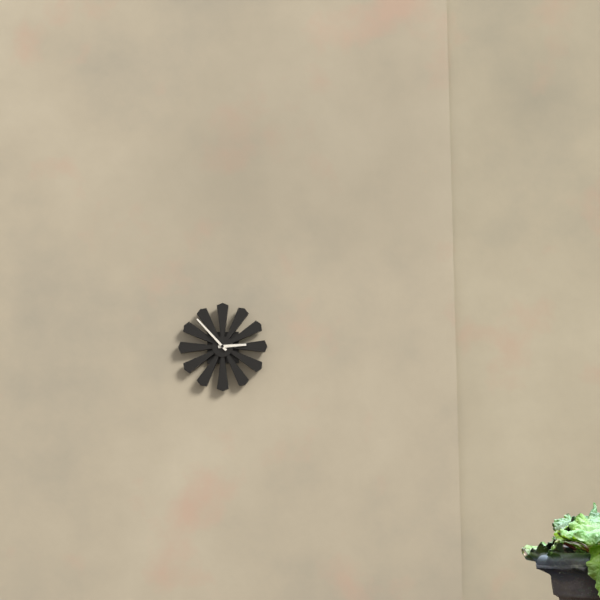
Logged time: 2 h 53 min
